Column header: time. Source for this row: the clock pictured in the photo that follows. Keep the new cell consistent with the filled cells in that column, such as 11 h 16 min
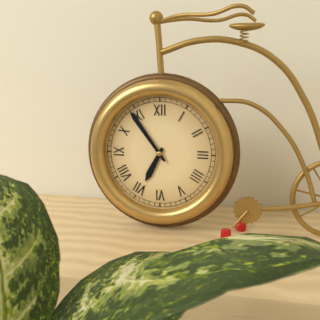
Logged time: 6 h 54 min
